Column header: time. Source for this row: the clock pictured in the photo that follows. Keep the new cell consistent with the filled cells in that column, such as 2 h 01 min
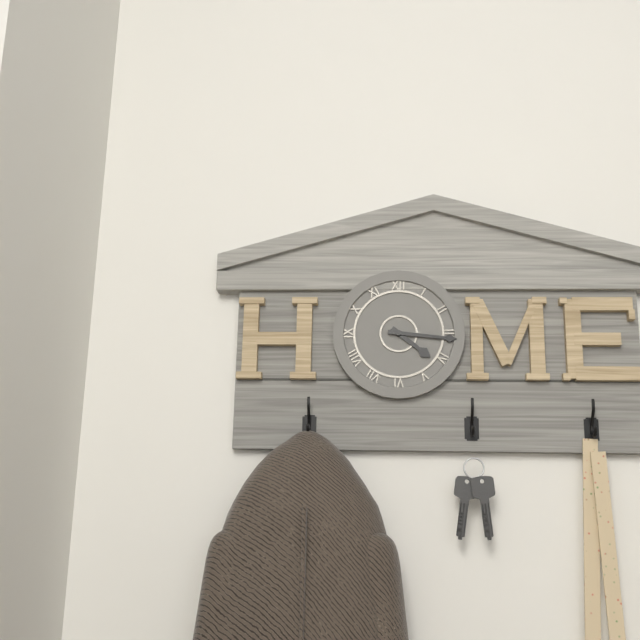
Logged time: 4 h 16 min
